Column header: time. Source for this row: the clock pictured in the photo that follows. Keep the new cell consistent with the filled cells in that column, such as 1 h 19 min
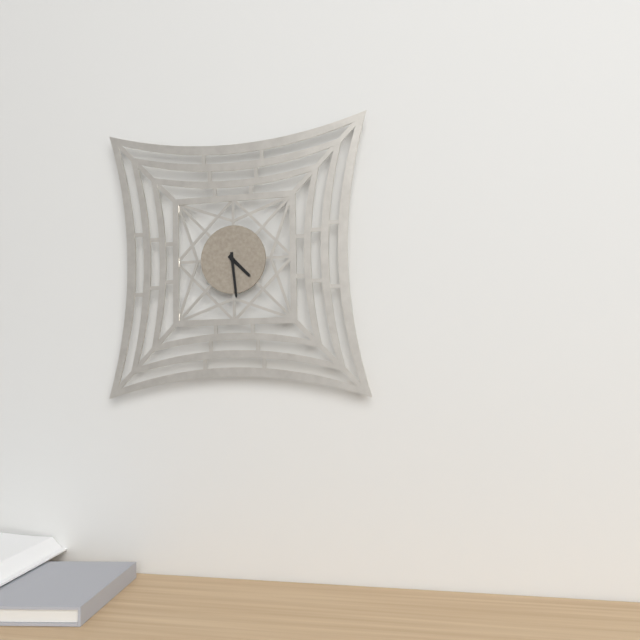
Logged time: 4 h 29 min
